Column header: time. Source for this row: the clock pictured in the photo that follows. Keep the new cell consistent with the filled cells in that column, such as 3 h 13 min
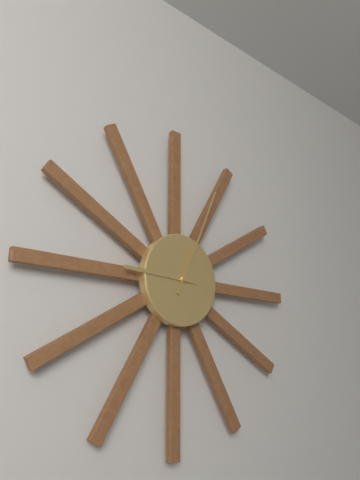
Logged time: 9 h 04 min
